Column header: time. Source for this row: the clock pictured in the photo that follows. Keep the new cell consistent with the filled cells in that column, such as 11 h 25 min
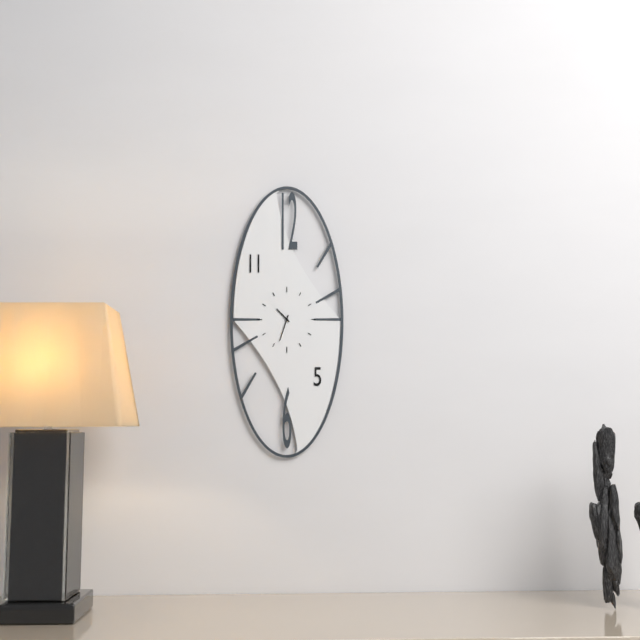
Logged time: 10 h 33 min
